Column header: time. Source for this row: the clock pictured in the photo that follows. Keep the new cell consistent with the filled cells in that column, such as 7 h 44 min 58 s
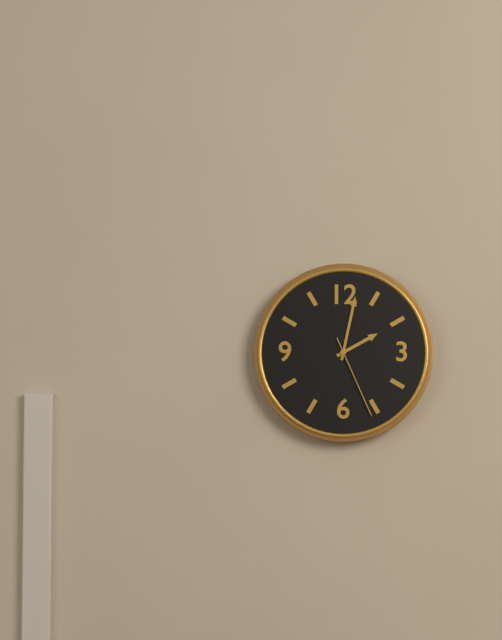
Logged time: 2 h 02 min 26 s
